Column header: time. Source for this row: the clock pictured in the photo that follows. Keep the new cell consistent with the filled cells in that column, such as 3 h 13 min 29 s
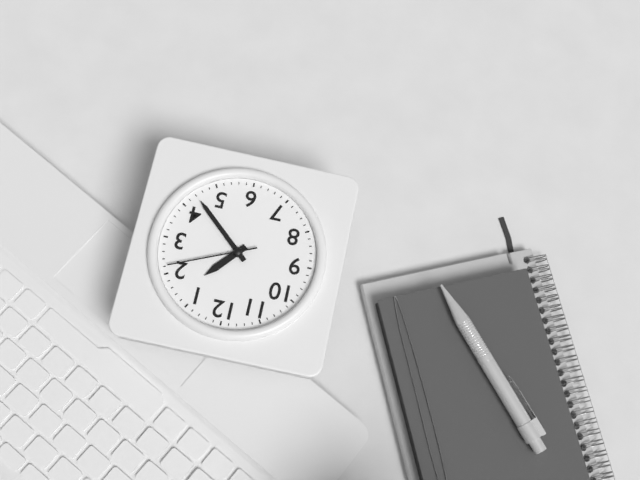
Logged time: 1 h 22 min 11 s
